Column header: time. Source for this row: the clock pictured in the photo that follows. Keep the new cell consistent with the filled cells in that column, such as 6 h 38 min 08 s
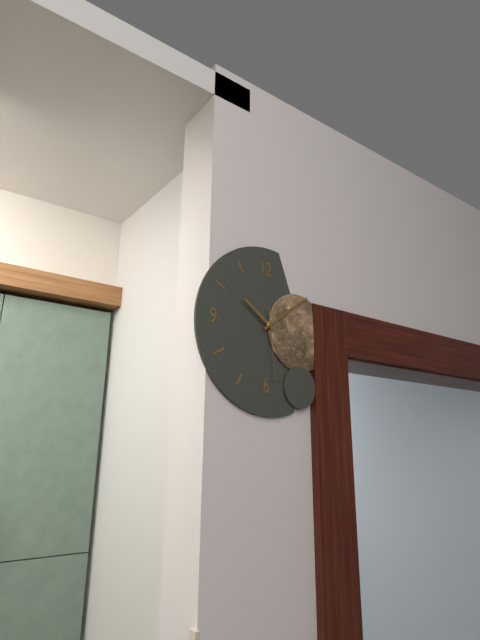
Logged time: 10 h 09 min 29 s
